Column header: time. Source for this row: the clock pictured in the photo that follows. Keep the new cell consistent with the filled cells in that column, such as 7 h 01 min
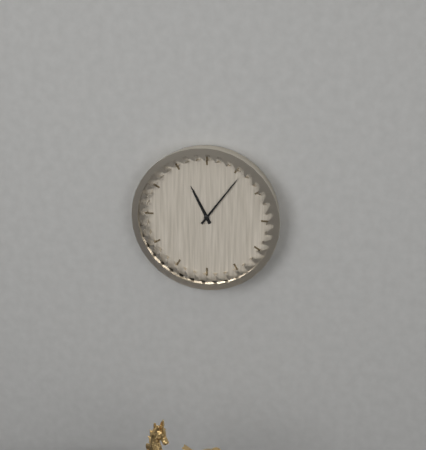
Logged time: 11 h 06 min
